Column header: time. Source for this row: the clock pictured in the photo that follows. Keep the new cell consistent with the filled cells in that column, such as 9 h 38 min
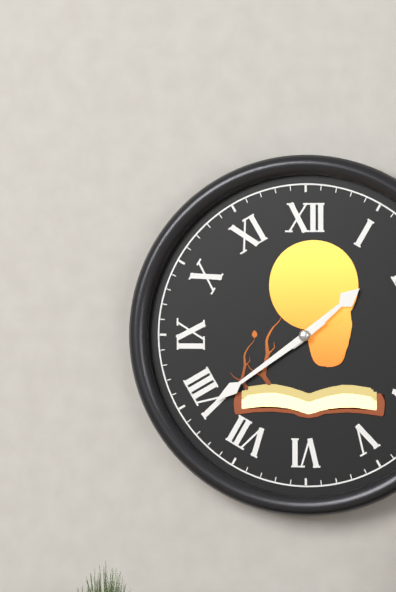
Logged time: 1 h 39 min
